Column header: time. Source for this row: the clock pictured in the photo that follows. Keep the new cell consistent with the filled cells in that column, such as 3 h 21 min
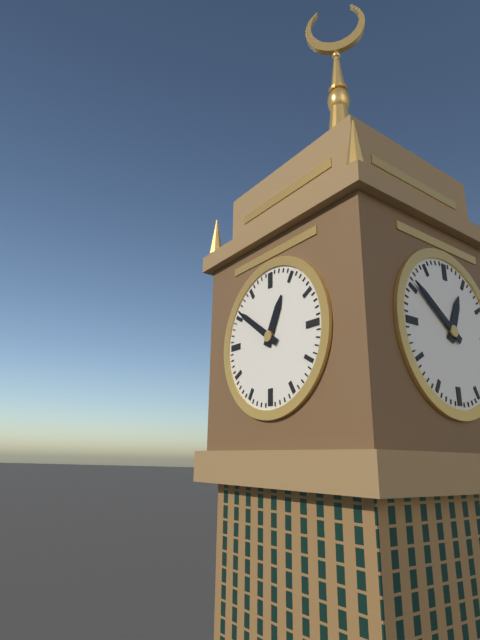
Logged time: 12 h 51 min
